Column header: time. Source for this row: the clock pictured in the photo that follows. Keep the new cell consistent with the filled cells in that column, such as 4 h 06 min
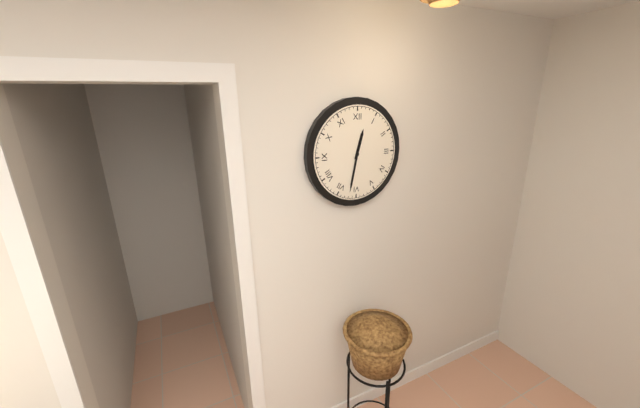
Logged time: 12 h 32 min
